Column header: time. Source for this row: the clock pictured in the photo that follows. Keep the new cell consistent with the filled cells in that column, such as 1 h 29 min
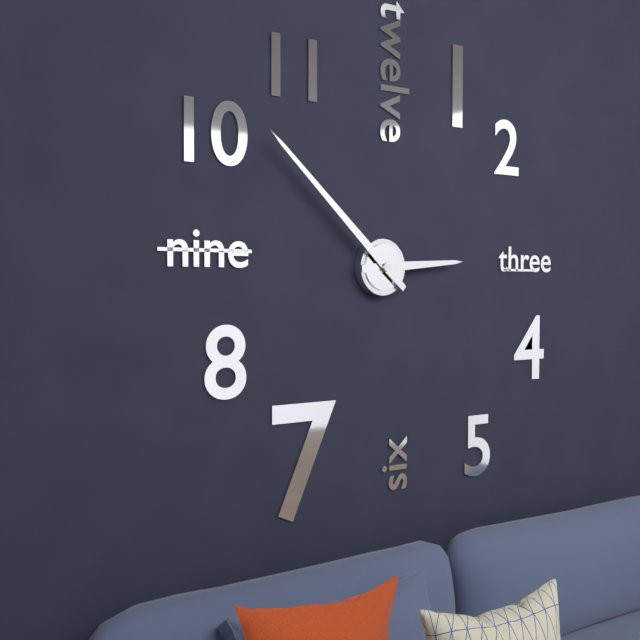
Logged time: 2 h 52 min
